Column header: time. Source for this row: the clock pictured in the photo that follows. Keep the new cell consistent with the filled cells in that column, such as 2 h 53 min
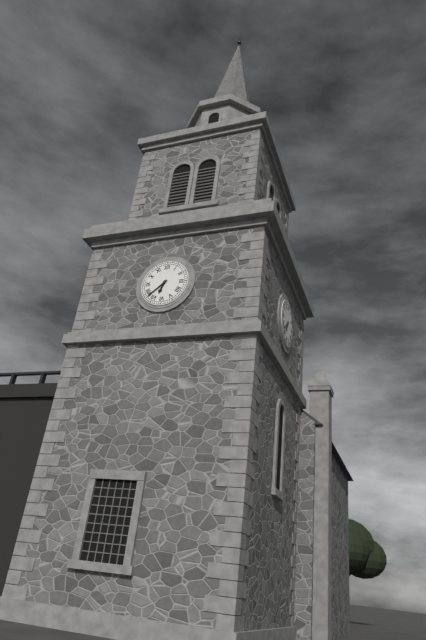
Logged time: 6 h 38 min
